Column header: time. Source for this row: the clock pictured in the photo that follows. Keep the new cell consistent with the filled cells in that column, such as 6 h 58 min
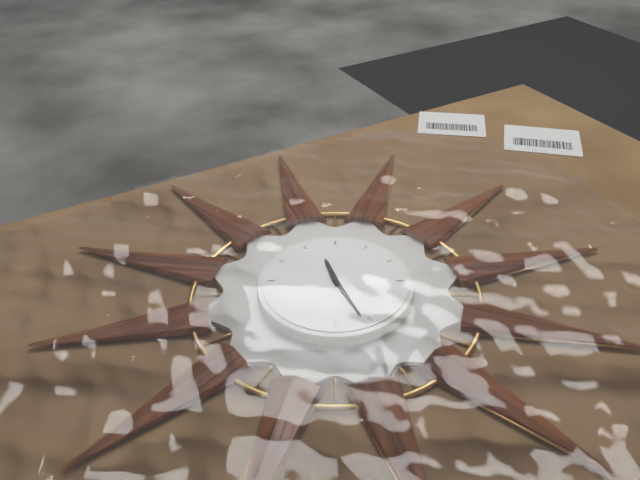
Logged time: 11 h 26 min
